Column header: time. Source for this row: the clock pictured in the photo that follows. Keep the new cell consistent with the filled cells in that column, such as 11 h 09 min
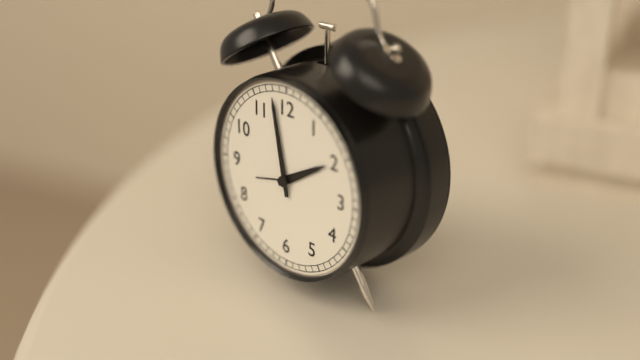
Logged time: 1 h 58 min
